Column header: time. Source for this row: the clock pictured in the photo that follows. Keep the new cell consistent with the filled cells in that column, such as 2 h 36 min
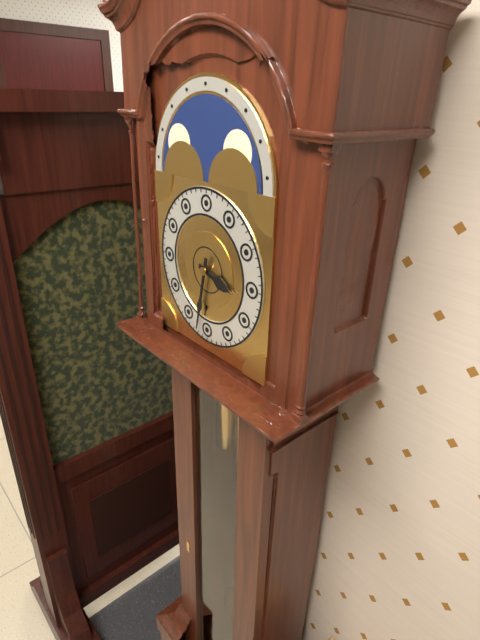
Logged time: 3 h 32 min
